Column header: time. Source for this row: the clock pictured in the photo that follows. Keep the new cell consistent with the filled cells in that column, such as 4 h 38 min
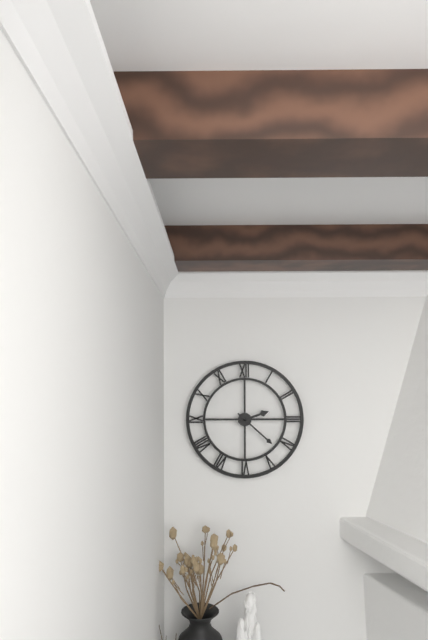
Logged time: 2 h 22 min
